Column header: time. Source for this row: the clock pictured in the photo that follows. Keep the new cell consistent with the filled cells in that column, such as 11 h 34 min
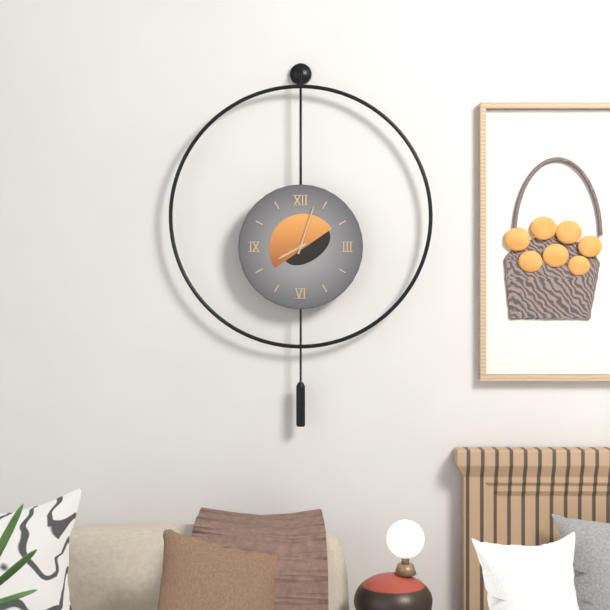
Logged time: 8 h 03 min
